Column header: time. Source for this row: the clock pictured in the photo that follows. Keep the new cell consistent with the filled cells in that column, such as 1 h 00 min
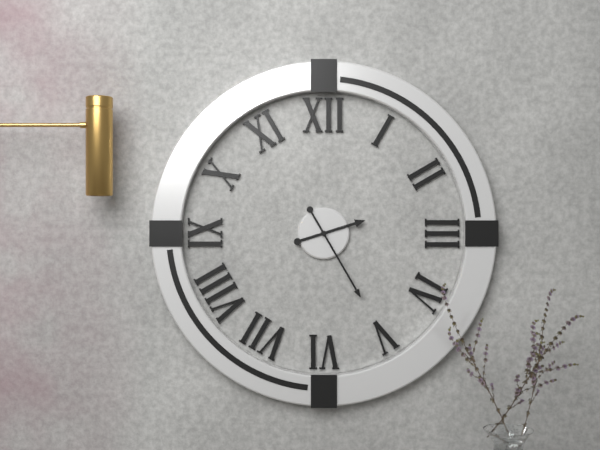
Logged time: 2 h 25 min
